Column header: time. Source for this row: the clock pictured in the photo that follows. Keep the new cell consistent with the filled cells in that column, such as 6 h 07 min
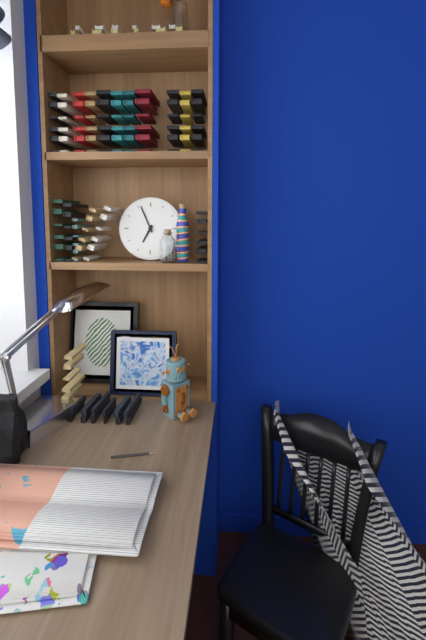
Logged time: 6 h 56 min
